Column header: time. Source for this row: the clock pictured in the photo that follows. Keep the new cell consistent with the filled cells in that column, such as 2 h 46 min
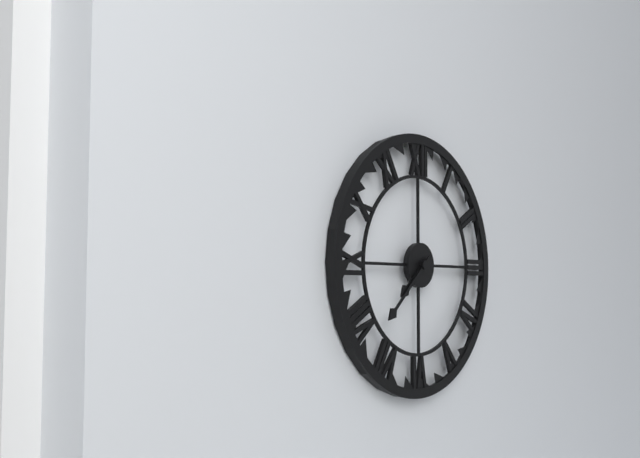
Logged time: 7 h 38 min
